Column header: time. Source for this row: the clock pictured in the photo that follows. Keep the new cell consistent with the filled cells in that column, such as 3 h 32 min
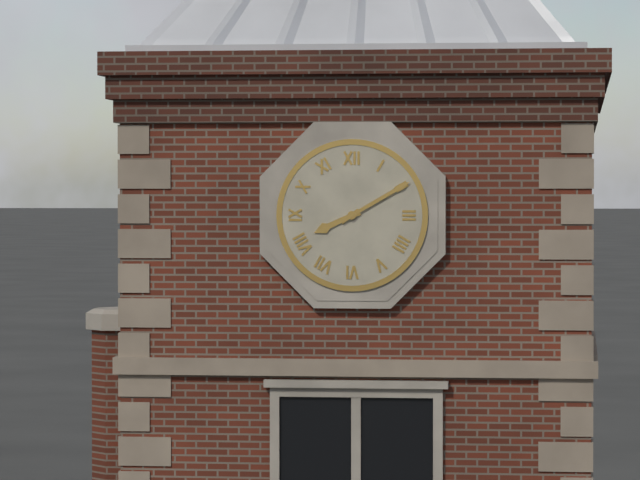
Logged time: 8 h 10 min
